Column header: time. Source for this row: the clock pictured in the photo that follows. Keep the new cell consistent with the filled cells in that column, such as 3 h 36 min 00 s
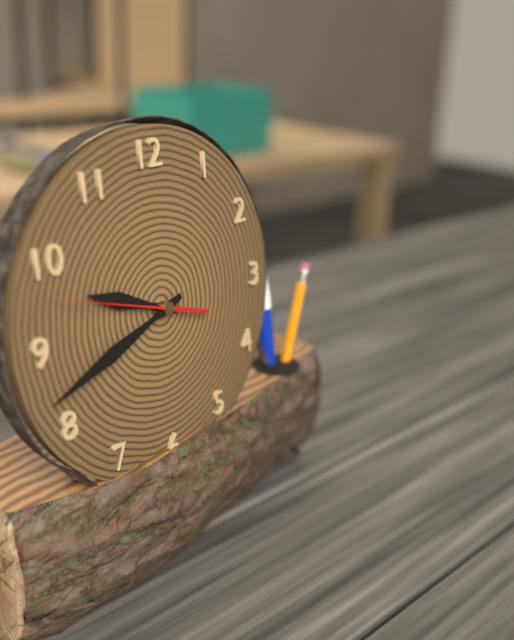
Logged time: 9 h 42 min 48 s
